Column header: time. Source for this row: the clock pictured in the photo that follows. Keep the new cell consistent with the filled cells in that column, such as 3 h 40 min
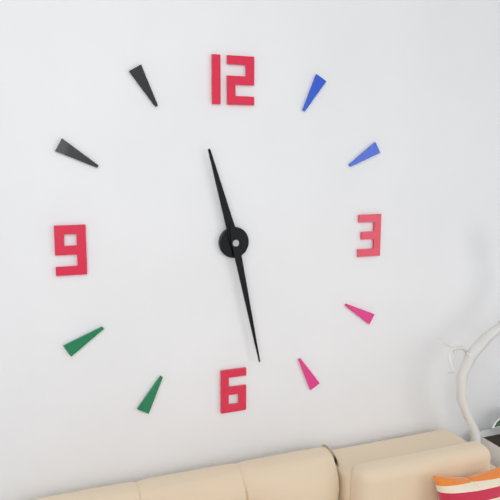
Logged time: 11 h 28 min
